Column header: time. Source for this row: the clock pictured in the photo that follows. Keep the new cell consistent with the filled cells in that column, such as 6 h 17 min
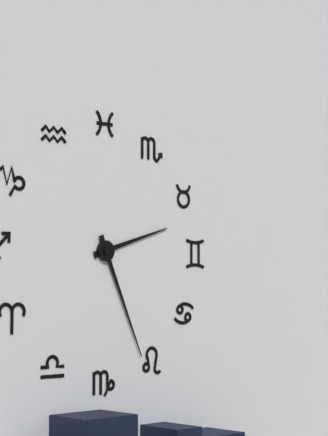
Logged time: 2 h 26 min
